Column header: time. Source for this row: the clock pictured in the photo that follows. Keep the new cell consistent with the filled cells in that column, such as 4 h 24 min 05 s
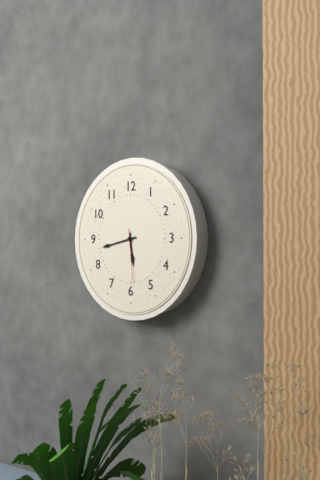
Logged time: 5 h 43 min 29 s
